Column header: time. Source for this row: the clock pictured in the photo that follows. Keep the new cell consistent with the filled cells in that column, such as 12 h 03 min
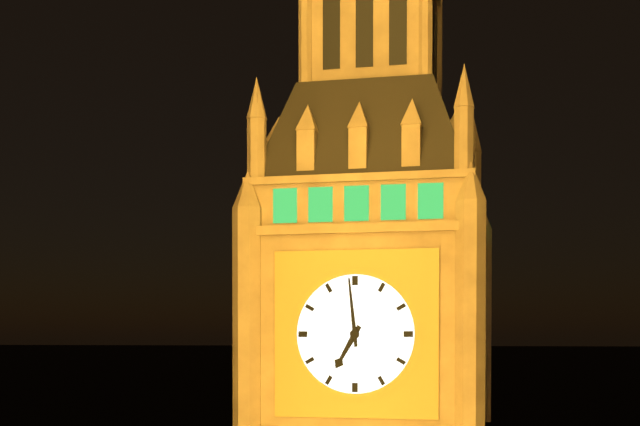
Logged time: 6 h 59 min
